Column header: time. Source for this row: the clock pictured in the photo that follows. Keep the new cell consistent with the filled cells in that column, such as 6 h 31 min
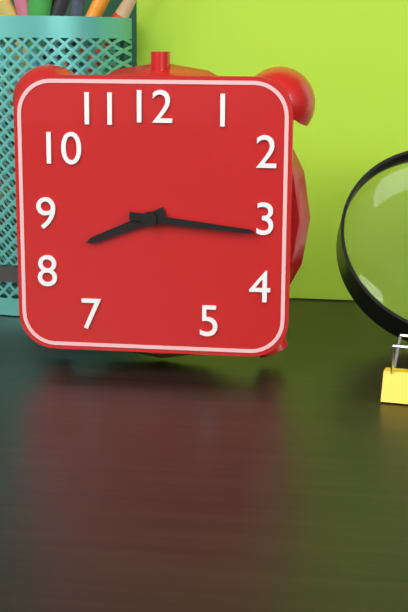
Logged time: 8 h 16 min
